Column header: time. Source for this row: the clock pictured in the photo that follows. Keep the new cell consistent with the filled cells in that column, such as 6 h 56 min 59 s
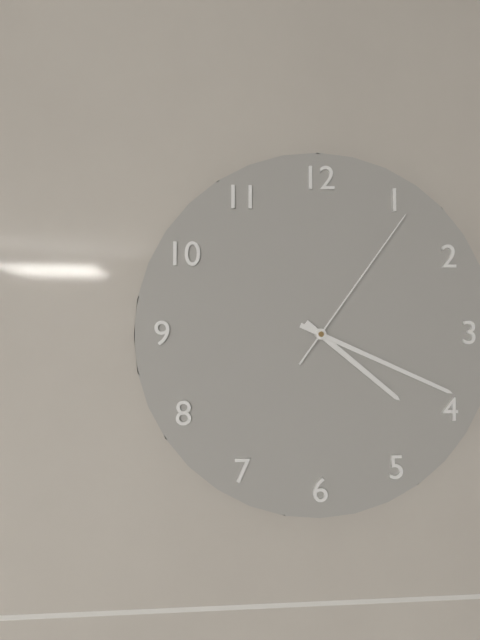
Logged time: 4 h 19 min 06 s
